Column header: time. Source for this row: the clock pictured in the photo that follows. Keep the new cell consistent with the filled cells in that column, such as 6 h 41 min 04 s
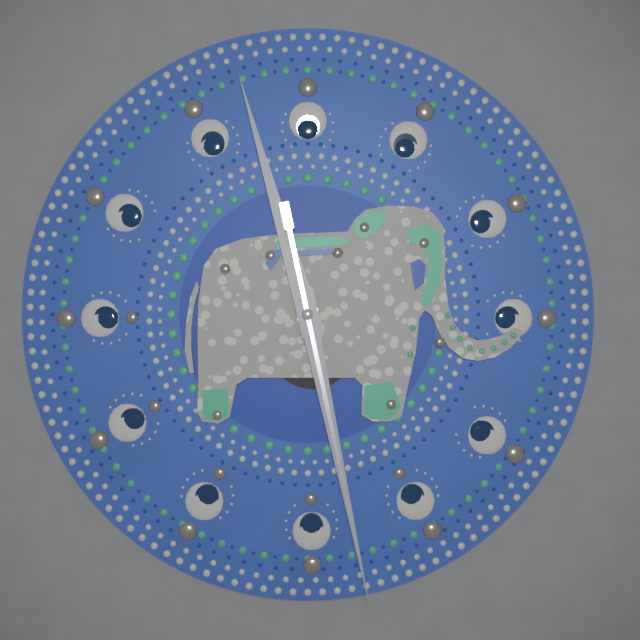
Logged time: 11 h 28 min 28 s
